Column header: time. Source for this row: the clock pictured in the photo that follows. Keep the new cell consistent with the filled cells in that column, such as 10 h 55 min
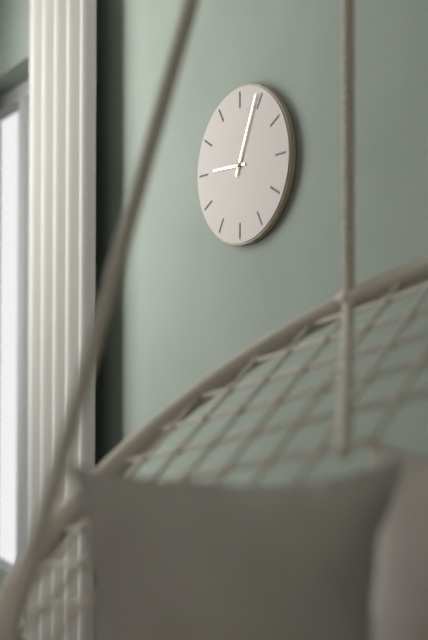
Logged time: 9 h 04 min
